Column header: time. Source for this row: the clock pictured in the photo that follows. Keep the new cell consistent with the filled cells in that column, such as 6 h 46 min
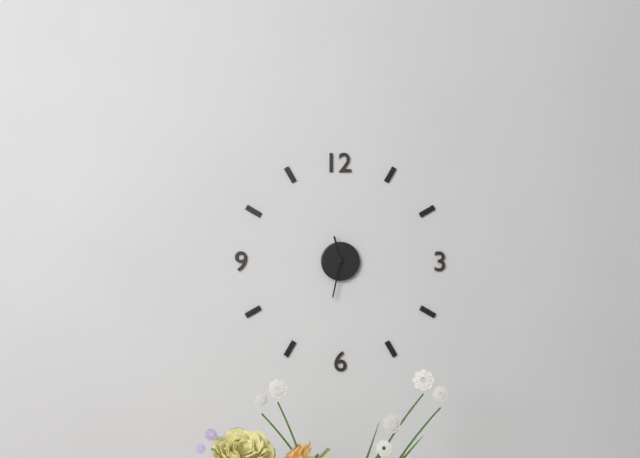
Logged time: 11 h 32 min
